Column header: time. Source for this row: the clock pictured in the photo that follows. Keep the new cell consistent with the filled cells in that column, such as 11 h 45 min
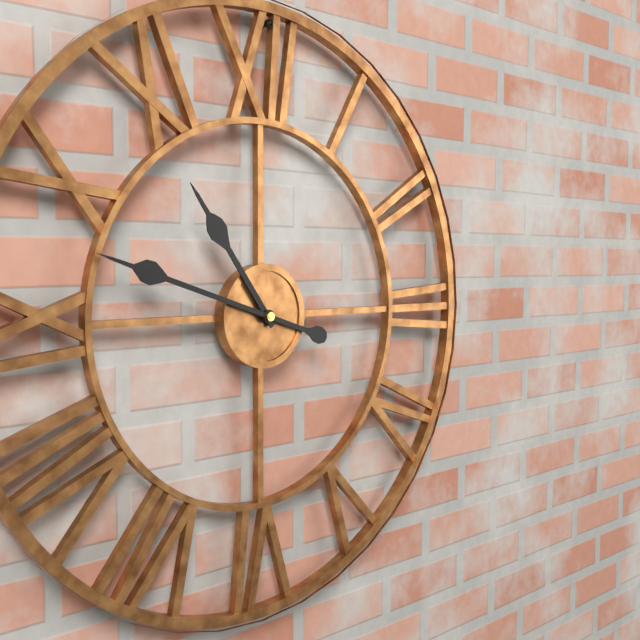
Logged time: 10 h 48 min
